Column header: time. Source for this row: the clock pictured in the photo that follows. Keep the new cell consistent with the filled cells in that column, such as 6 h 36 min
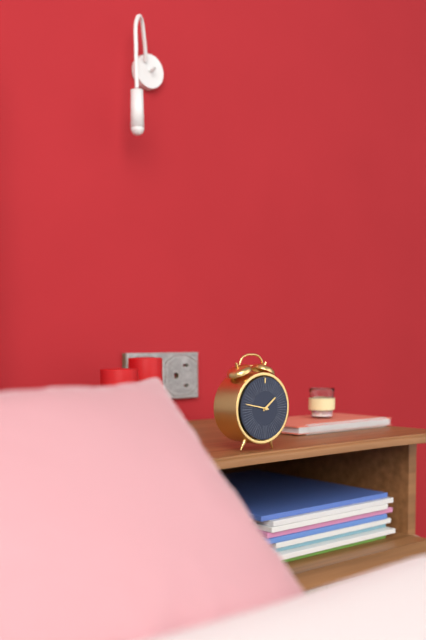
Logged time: 1 h 47 min
